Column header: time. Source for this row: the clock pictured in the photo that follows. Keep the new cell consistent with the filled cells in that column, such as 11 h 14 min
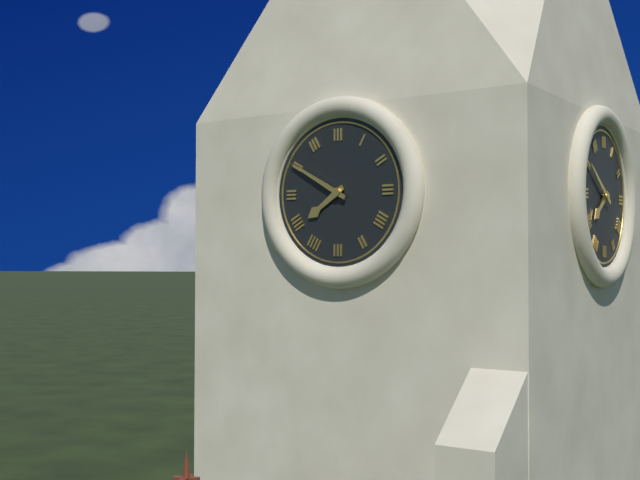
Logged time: 7 h 50 min
